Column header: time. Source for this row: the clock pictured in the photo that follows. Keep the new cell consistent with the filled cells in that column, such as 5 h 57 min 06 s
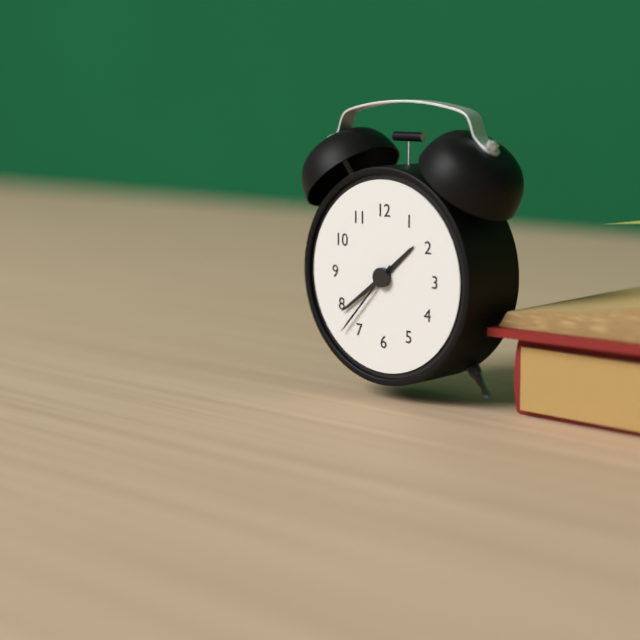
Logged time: 1 h 39 min 37 s
